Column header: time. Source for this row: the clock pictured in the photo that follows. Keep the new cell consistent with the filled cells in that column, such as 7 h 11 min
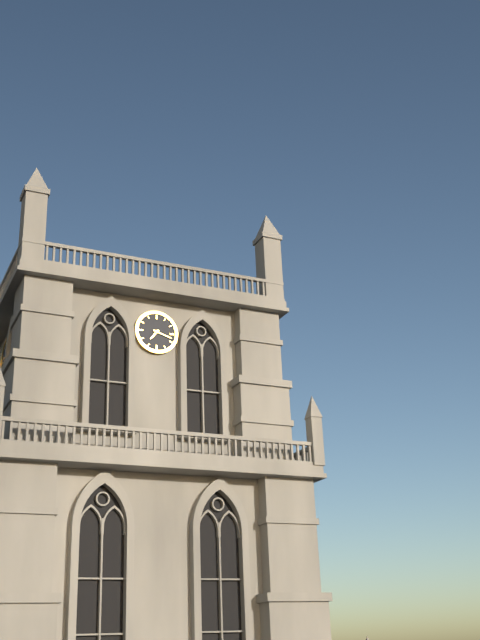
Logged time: 7 h 18 min
